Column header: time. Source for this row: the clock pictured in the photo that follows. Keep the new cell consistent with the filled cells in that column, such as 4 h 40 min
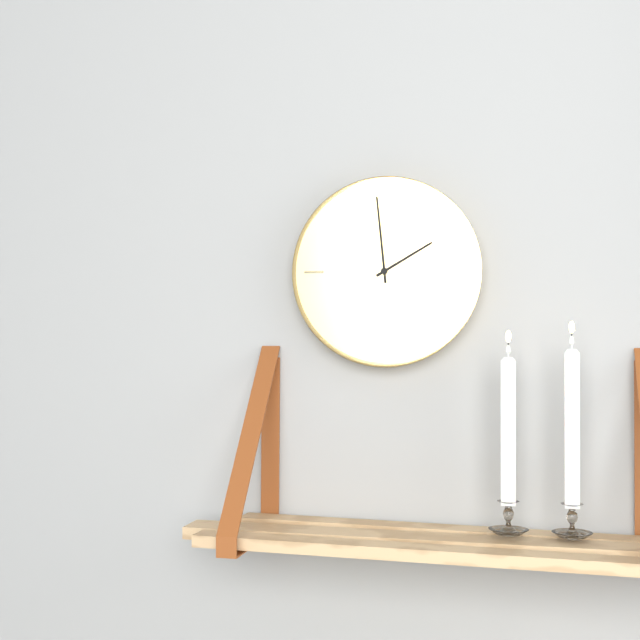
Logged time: 1 h 59 min
